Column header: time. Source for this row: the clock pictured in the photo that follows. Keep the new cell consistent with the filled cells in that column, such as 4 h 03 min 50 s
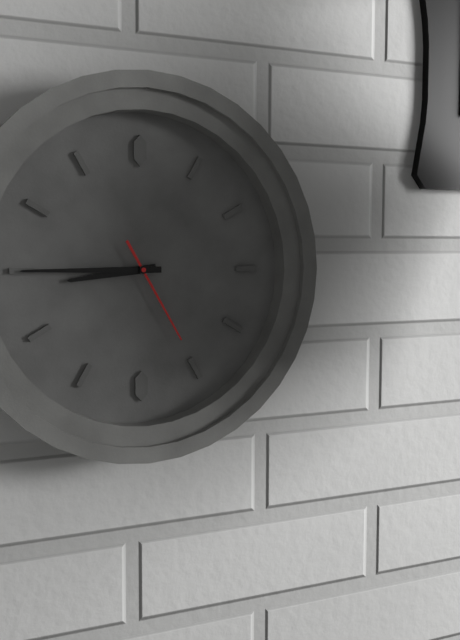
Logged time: 8 h 45 min 25 s
